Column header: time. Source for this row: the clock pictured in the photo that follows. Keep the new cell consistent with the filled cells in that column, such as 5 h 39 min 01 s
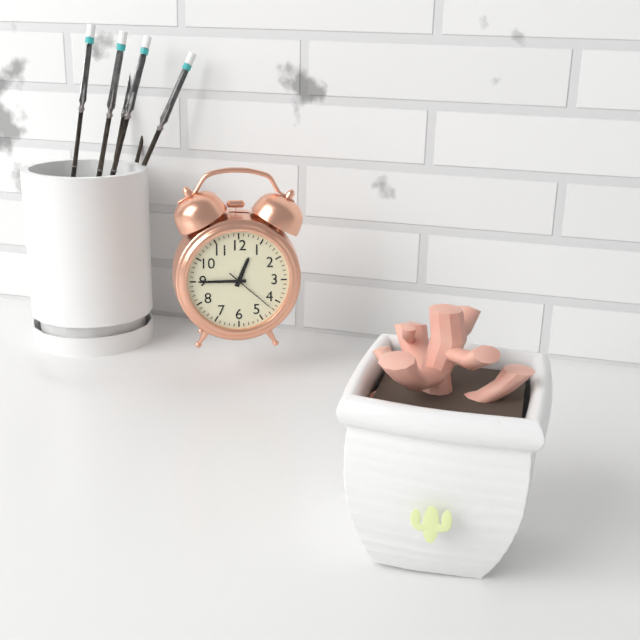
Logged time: 12 h 45 min 22 s
